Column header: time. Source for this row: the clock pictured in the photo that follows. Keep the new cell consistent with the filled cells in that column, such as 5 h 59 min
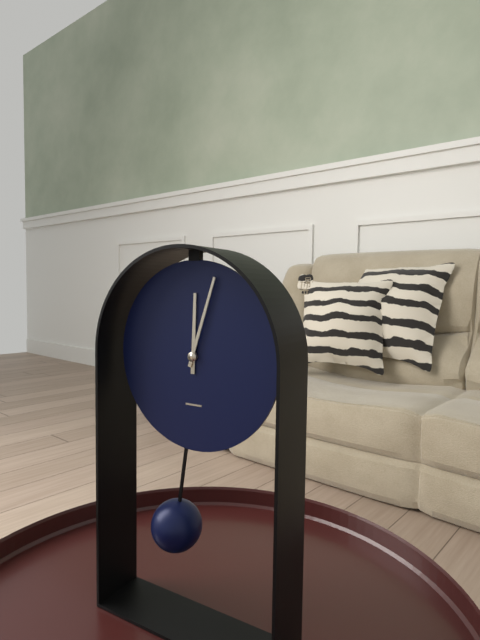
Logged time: 12 h 03 min
